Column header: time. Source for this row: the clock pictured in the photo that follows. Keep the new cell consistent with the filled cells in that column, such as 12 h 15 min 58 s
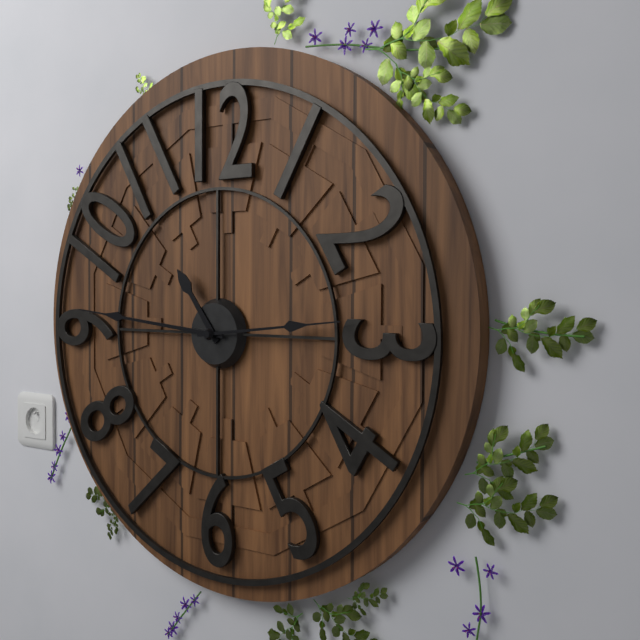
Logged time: 10 h 46 min 14 s
